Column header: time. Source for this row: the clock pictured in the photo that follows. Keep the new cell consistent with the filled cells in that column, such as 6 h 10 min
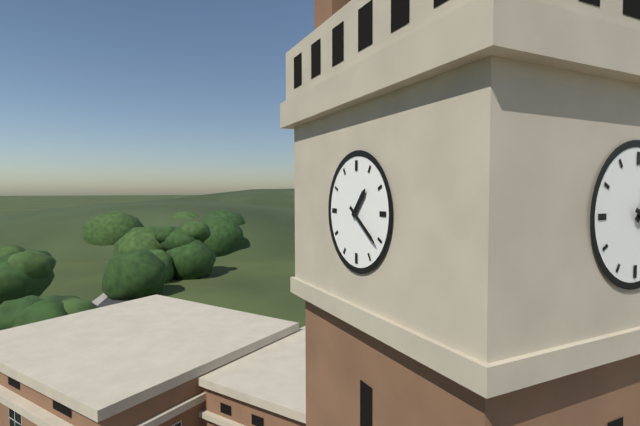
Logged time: 1 h 21 min
